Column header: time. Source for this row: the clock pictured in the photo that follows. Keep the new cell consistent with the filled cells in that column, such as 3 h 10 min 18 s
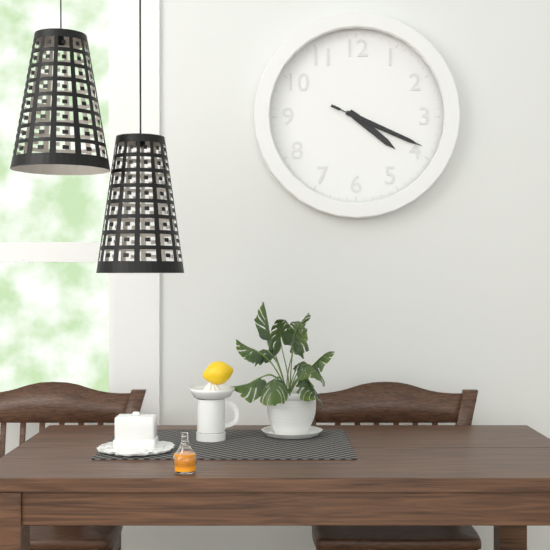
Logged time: 4 h 19 min 19 s
